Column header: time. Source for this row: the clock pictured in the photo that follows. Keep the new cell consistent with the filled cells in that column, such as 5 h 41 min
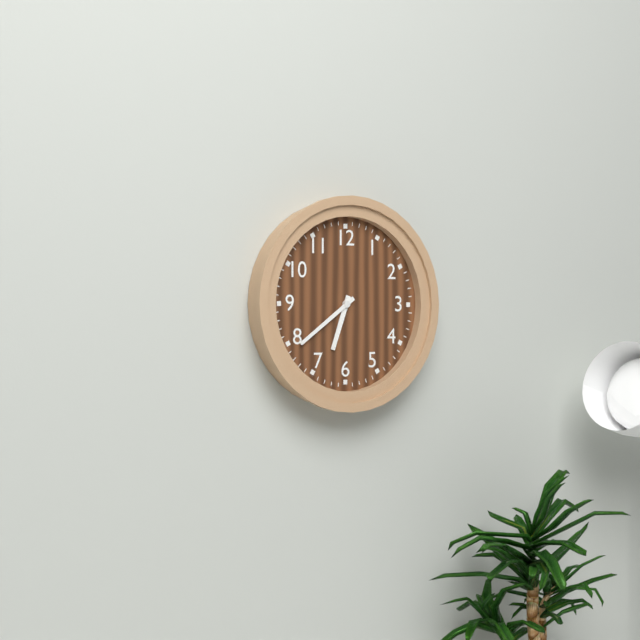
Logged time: 6 h 39 min
